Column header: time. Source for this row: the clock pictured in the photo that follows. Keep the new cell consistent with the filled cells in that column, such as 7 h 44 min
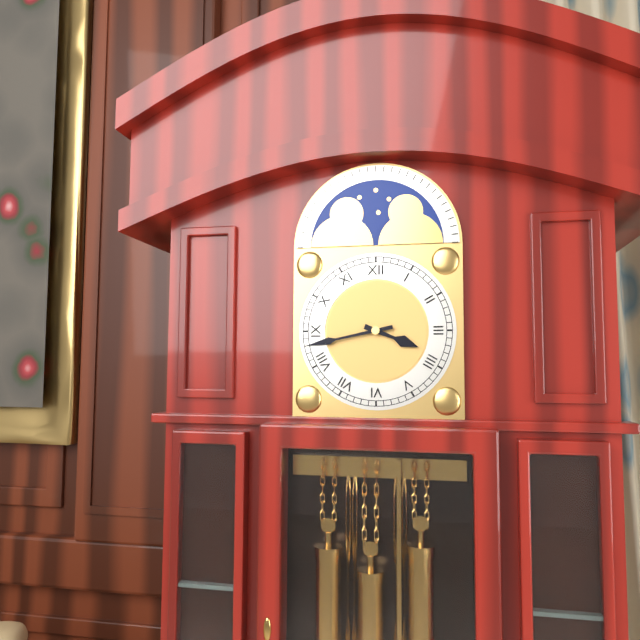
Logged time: 3 h 43 min
